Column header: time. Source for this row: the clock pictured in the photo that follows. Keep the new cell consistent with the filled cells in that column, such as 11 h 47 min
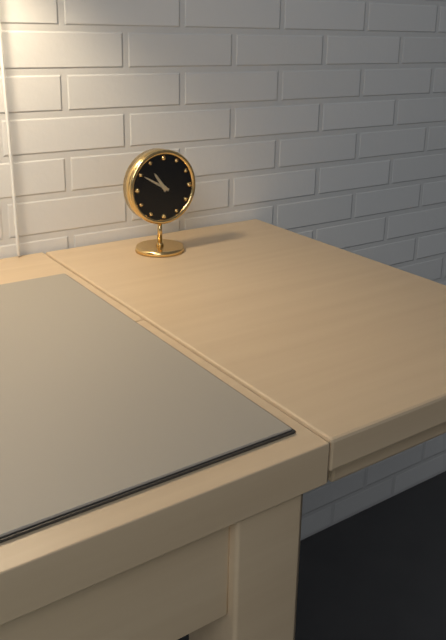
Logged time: 10 h 50 min
